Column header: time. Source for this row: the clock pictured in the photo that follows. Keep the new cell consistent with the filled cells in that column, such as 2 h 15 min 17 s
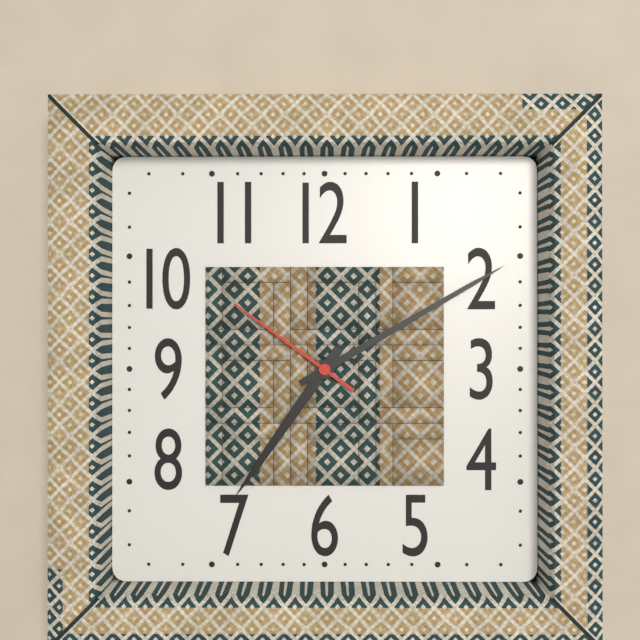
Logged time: 7 h 10 min 51 s
